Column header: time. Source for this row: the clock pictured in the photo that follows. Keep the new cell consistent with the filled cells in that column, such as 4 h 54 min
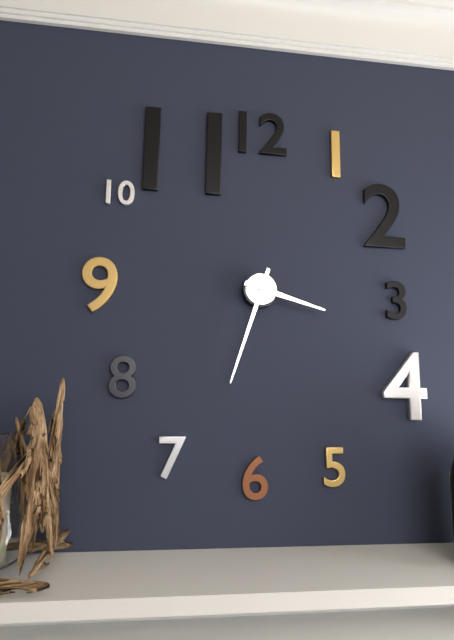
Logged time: 3 h 33 min
